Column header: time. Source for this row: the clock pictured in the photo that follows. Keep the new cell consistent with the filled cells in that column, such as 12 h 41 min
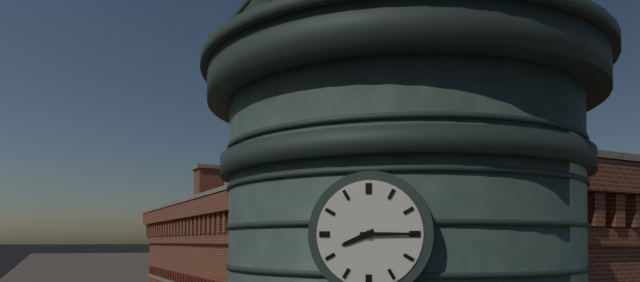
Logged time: 8 h 15 min
